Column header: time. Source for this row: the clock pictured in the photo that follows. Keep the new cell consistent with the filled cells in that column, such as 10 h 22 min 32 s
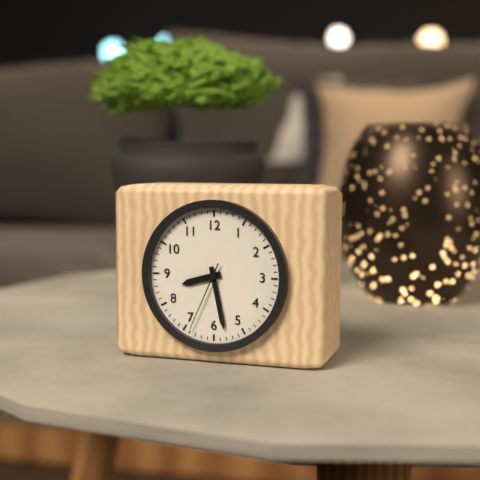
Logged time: 8 h 28 min 34 s
